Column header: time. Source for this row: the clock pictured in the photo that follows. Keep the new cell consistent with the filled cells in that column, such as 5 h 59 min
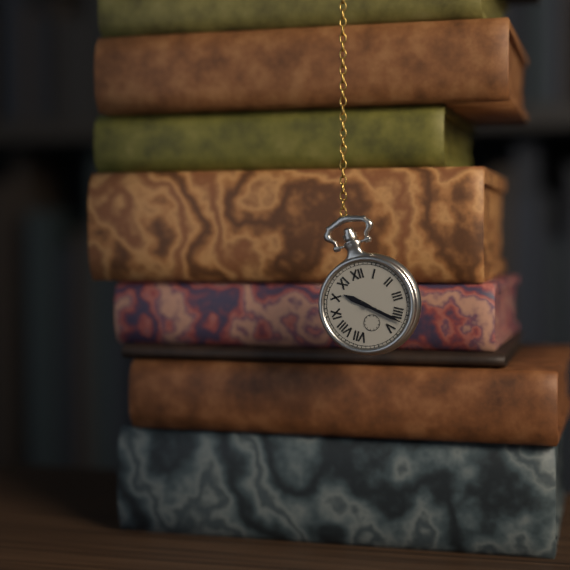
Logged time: 10 h 22 min
